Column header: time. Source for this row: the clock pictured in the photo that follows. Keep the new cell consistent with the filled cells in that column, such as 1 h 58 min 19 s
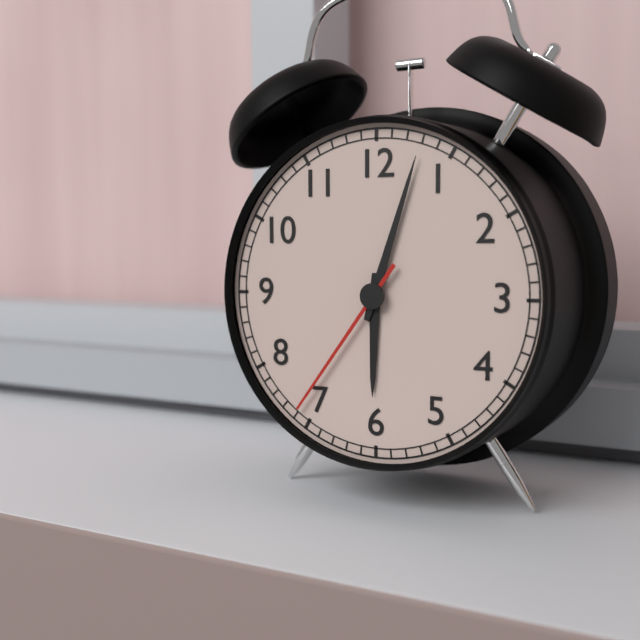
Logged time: 6 h 03 min 36 s
